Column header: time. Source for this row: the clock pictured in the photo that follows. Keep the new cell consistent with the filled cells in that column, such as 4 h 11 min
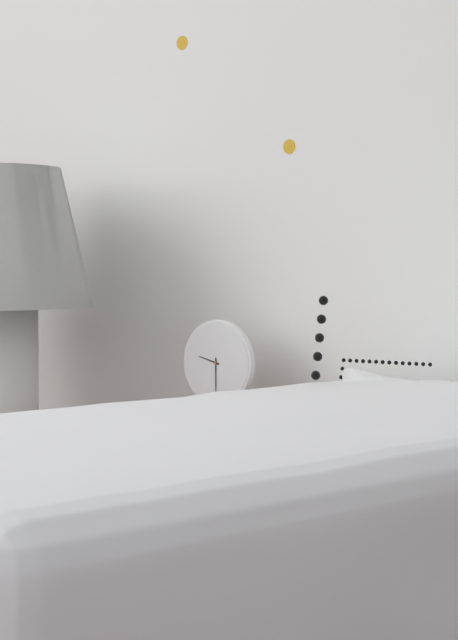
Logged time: 9 h 30 min
